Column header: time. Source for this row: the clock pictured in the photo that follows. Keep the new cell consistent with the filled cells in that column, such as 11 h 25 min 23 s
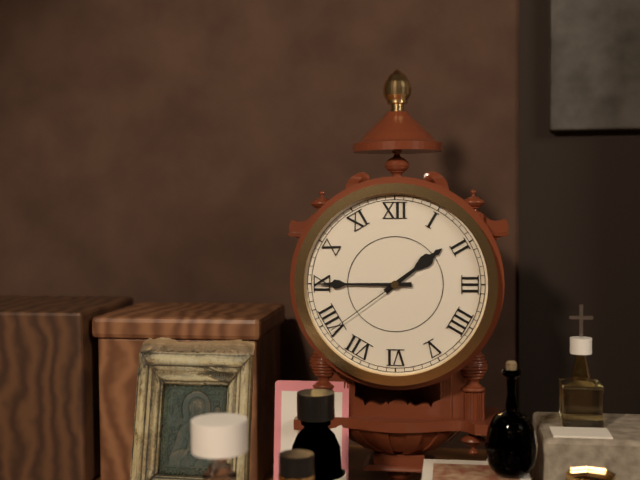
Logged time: 1 h 45 min 39 s
